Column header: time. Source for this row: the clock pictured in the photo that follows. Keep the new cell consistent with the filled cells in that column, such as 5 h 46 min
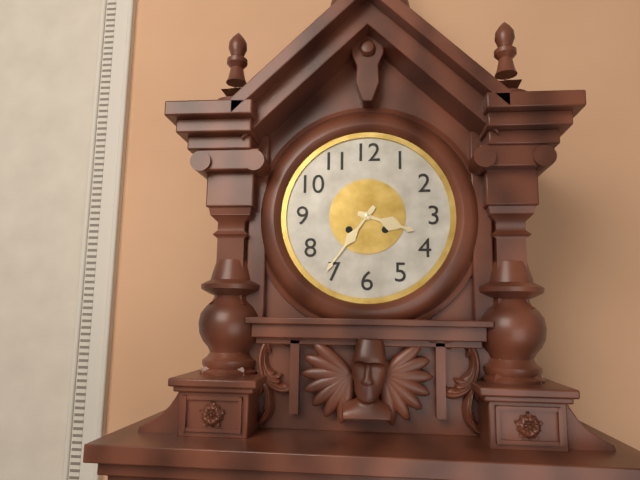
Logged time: 3 h 36 min
